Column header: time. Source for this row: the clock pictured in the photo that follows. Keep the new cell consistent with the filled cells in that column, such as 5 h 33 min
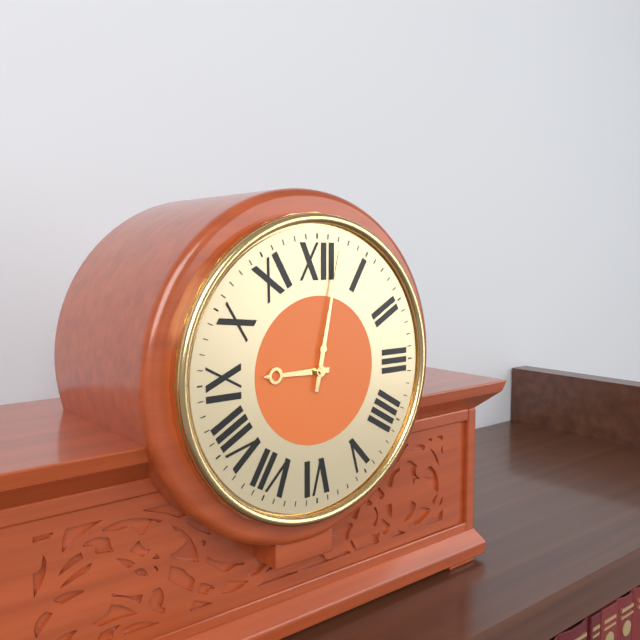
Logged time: 9 h 02 min
